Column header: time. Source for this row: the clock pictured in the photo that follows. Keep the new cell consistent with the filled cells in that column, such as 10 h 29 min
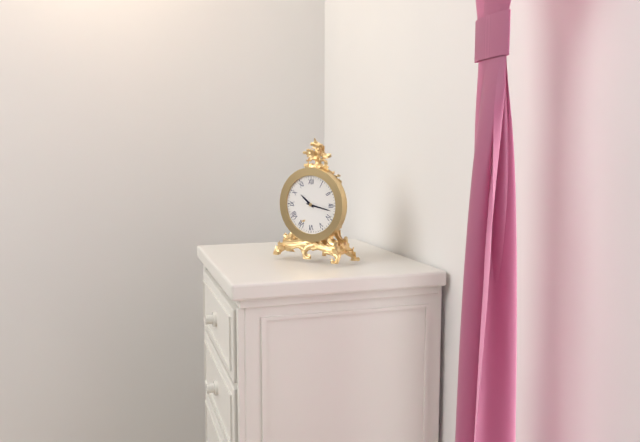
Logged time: 10 h 17 min
